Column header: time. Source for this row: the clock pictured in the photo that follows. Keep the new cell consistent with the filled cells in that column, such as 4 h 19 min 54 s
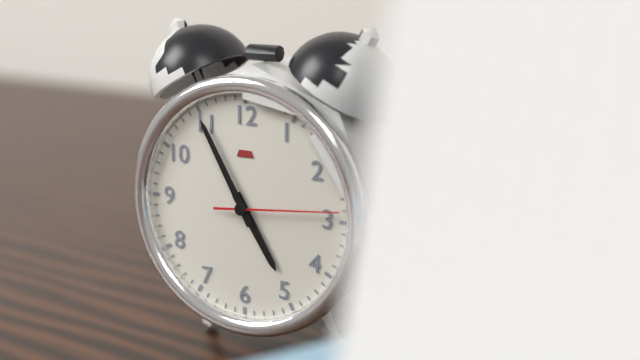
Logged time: 4 h 55 min 14 s
